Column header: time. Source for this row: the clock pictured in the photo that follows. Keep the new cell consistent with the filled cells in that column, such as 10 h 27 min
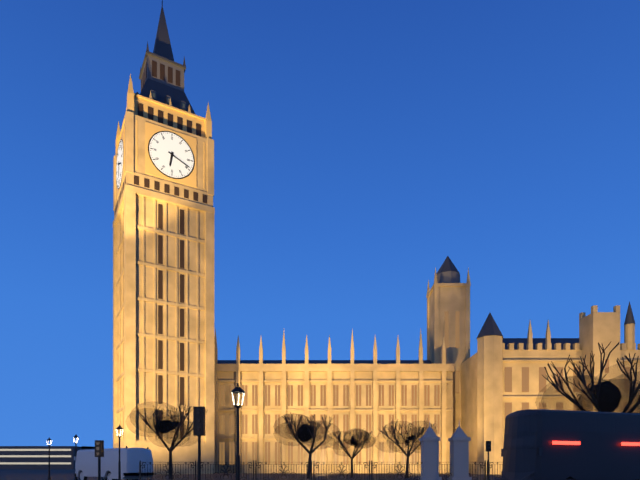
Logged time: 6 h 19 min
